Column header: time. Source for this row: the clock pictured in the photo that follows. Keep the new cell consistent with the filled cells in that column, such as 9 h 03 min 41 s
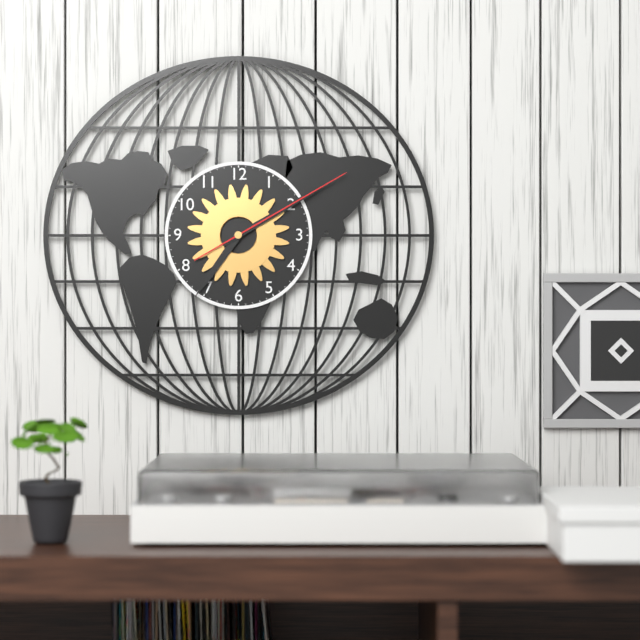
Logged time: 7 h 10 min 10 s
